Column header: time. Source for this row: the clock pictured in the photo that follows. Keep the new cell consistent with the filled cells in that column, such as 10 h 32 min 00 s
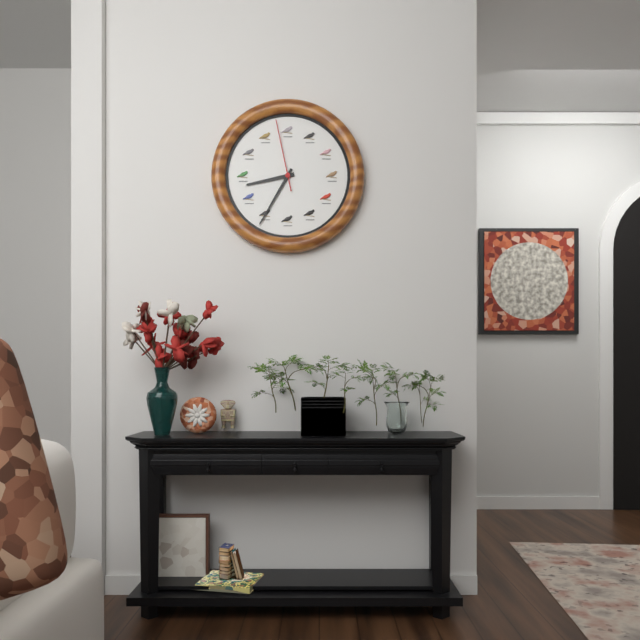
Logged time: 8 h 35 min 58 s
